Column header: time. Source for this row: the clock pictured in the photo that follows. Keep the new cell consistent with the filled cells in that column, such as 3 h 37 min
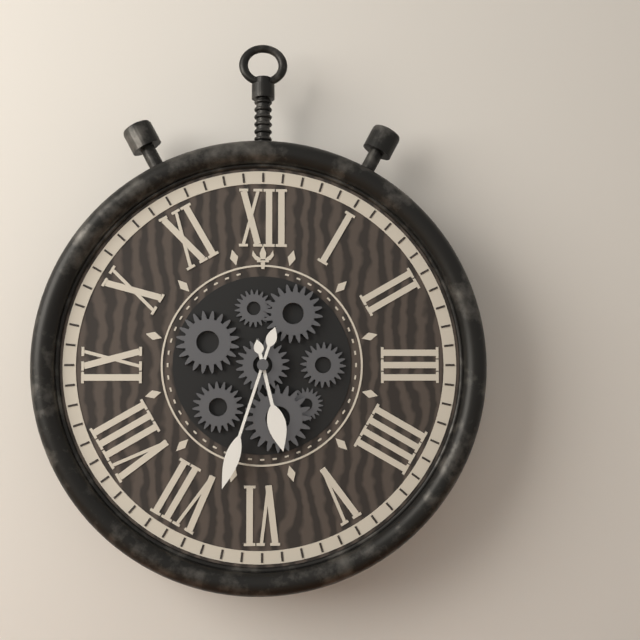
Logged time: 5 h 33 min
